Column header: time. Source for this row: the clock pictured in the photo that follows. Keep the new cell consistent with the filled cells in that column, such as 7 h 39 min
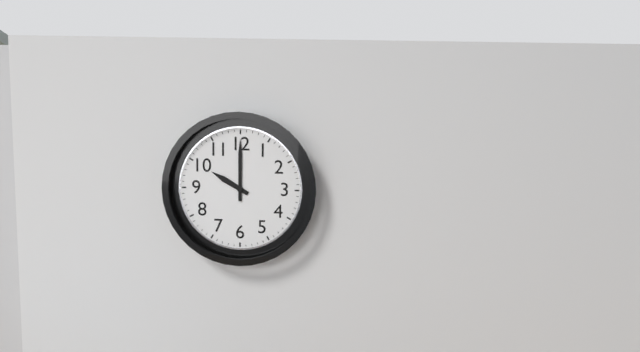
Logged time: 10 h 00 min
